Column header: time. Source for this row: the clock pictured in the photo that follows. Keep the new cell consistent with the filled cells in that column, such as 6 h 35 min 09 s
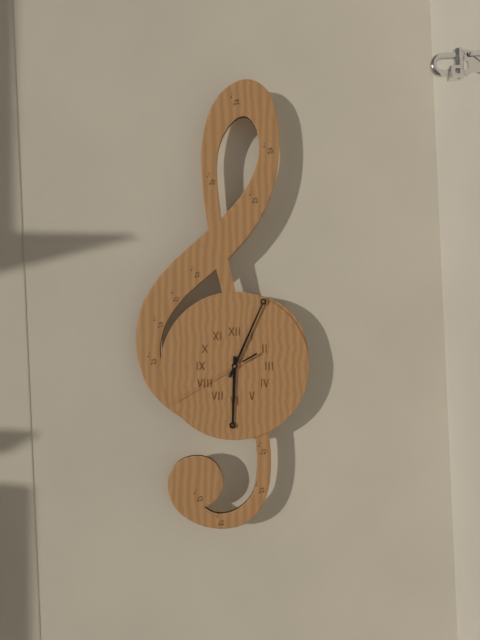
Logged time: 6 h 04 min 40 s
